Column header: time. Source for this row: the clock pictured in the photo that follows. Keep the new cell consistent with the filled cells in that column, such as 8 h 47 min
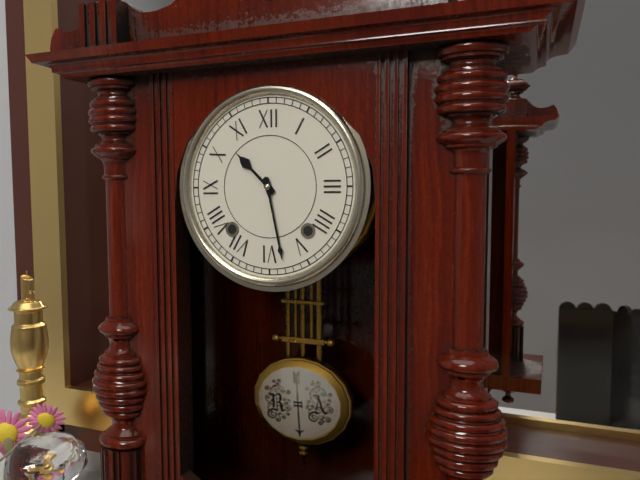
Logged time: 10 h 28 min
